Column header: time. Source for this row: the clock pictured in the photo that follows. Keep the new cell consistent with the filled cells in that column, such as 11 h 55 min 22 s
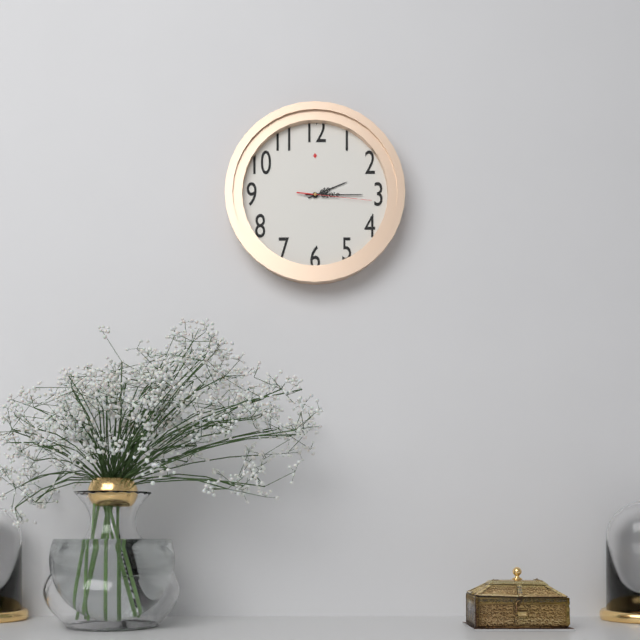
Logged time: 2 h 15 min 16 s
